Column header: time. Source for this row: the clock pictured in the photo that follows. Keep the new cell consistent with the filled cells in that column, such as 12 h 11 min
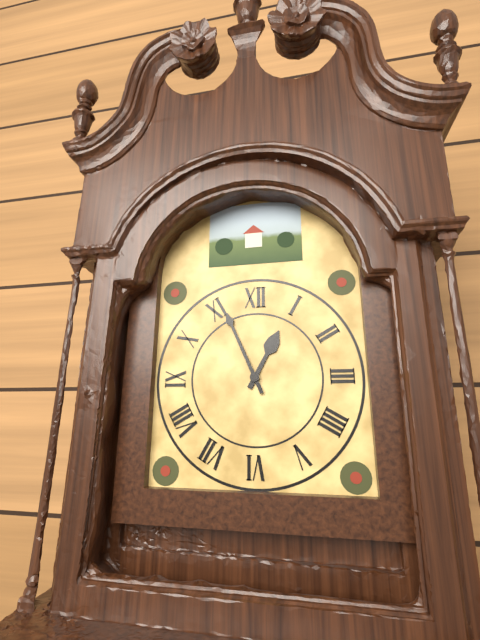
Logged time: 12 h 56 min
